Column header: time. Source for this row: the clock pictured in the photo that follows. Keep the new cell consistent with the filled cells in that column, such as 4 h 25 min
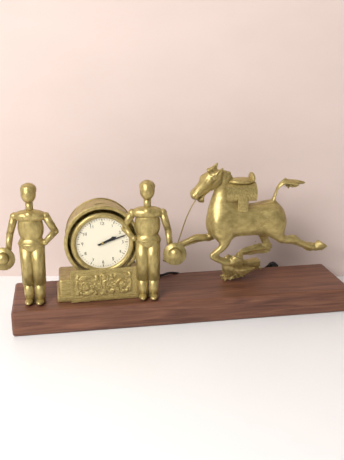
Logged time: 2 h 12 min
